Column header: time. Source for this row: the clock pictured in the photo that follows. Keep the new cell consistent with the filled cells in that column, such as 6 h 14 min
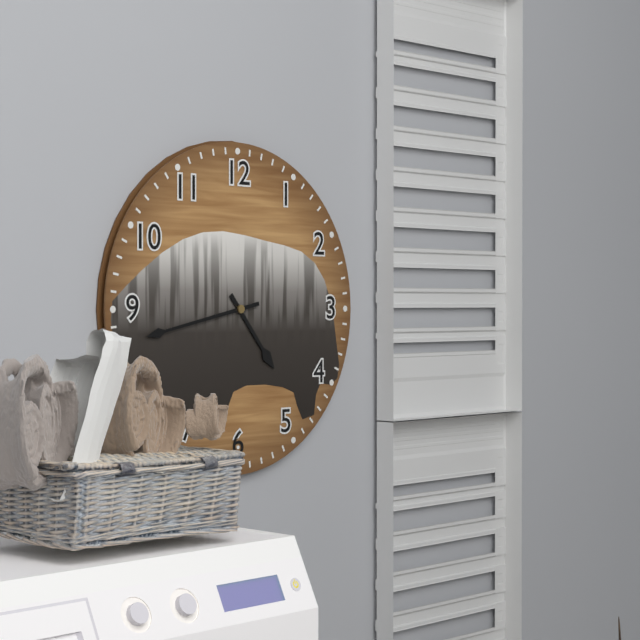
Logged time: 4 h 43 min
